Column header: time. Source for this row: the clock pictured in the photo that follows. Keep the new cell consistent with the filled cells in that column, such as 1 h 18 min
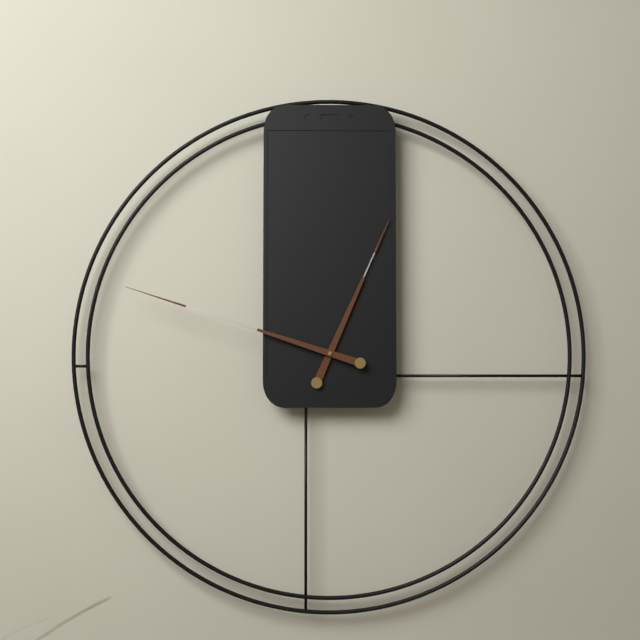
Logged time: 12 h 48 min
